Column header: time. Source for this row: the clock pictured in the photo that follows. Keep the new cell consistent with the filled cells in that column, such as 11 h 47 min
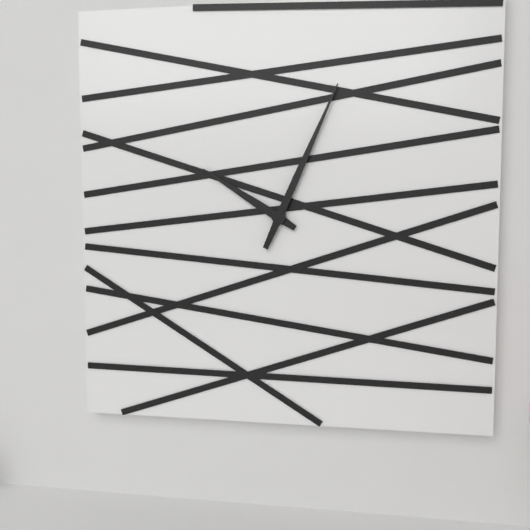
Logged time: 10 h 04 min
